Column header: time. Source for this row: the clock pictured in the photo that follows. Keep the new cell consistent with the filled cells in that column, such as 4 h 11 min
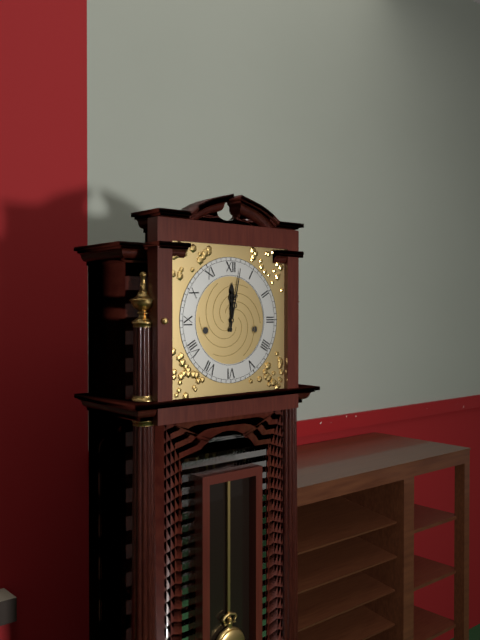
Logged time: 12 h 02 min
